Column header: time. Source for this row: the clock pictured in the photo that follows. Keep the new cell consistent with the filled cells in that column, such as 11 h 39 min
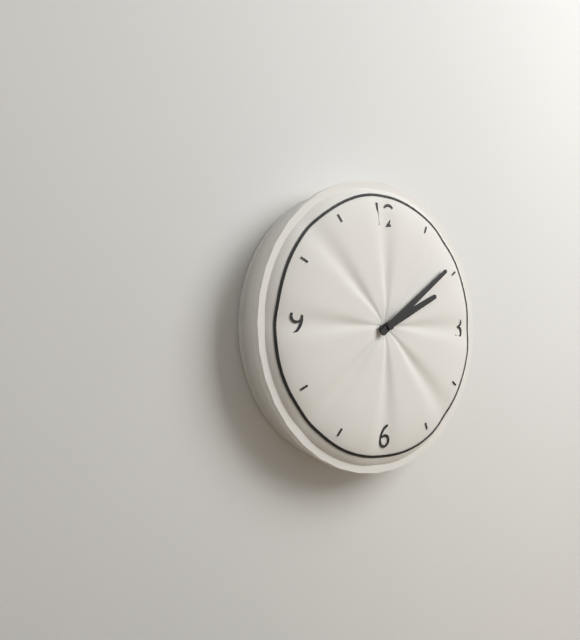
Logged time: 2 h 09 min
